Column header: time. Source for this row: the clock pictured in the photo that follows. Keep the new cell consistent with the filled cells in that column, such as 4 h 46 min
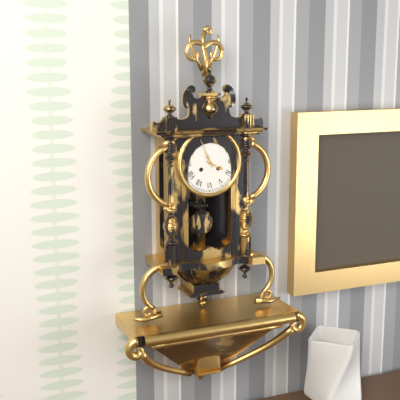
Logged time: 3 h 56 min
